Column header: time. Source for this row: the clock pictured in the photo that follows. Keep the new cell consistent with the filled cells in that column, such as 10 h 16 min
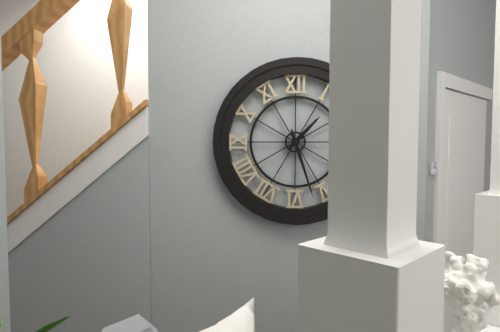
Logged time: 1 h 27 min
